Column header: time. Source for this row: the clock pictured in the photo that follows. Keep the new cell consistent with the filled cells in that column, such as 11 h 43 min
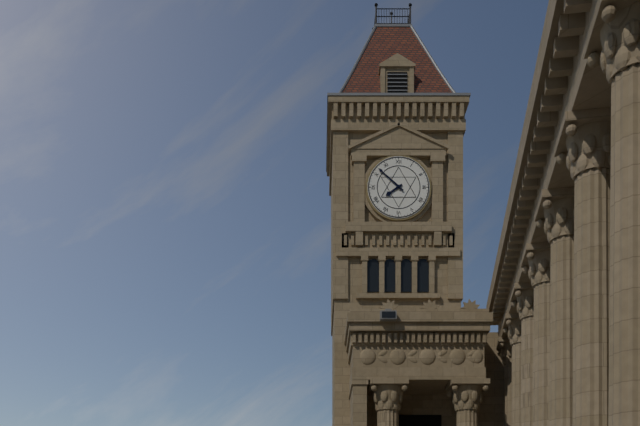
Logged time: 7 h 52 min
